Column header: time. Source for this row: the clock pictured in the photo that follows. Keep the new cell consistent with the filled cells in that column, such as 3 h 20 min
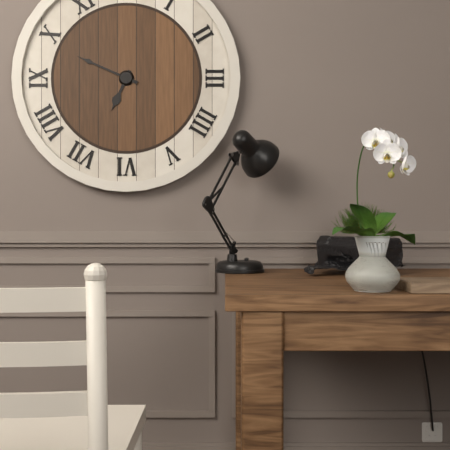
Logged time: 6 h 49 min
